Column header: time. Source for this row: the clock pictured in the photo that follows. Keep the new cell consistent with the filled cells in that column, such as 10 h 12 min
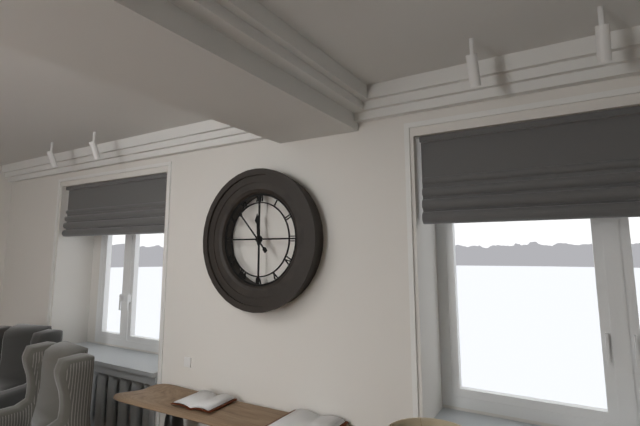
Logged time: 11 h 53 min
